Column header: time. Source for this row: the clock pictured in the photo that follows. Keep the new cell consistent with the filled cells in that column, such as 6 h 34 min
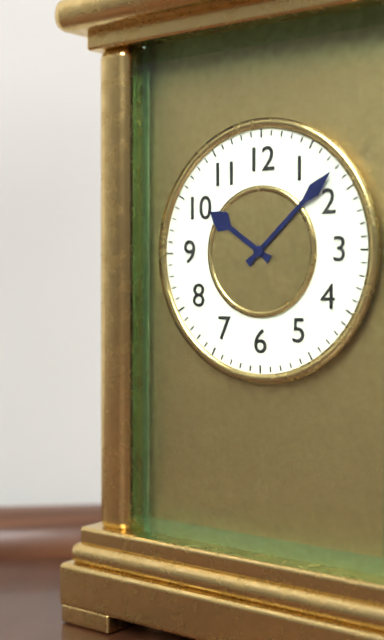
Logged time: 10 h 08 min
